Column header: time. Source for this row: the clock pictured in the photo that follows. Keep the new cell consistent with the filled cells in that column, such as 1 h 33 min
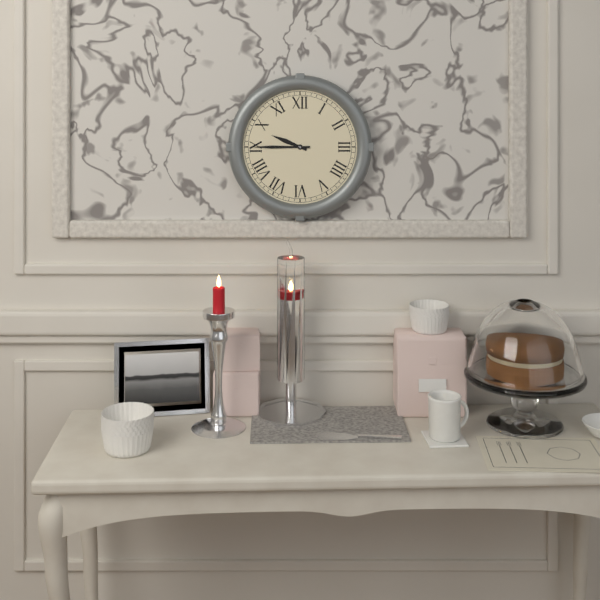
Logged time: 9 h 45 min
